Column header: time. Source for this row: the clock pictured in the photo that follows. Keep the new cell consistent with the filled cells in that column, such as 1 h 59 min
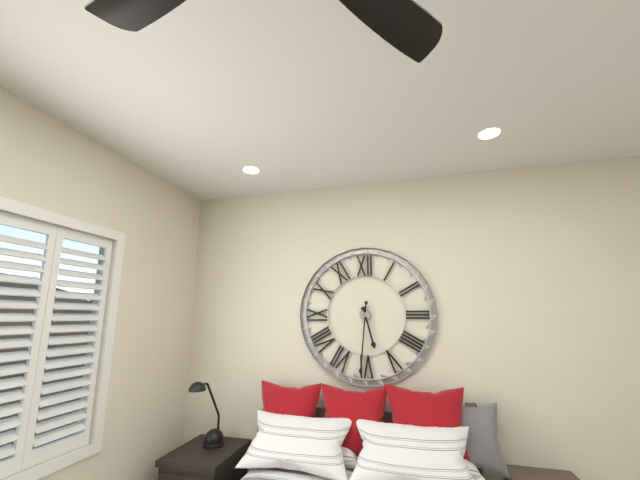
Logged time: 5 h 31 min
